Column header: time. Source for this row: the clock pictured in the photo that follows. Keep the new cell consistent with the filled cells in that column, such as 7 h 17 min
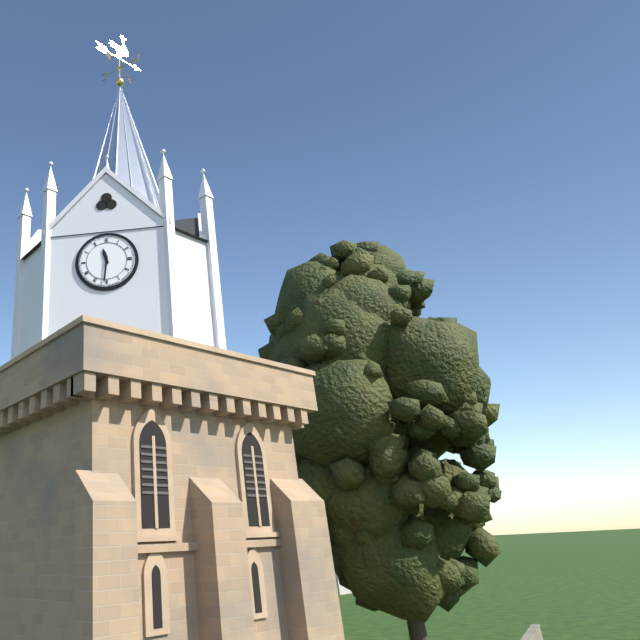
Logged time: 11 h 31 min
